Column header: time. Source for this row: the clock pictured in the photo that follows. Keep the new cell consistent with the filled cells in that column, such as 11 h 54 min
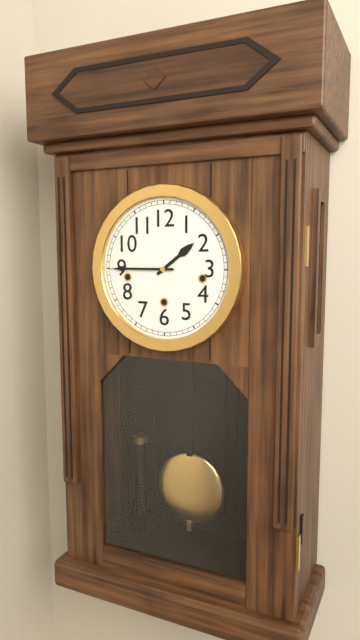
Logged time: 1 h 45 min
